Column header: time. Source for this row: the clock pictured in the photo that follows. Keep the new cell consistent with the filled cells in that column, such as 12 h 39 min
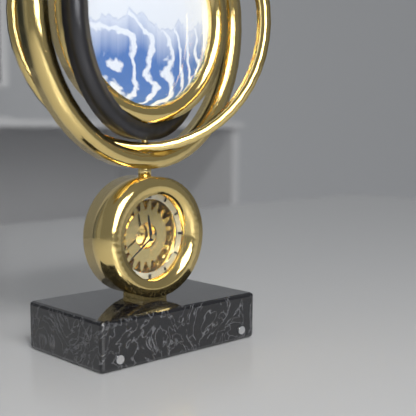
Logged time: 11 h 39 min
